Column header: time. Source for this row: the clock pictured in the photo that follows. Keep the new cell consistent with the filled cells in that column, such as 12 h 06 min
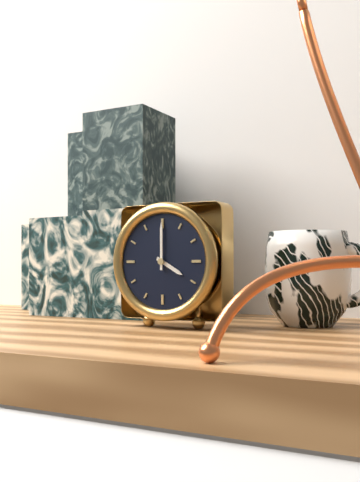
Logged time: 4 h 00 min
